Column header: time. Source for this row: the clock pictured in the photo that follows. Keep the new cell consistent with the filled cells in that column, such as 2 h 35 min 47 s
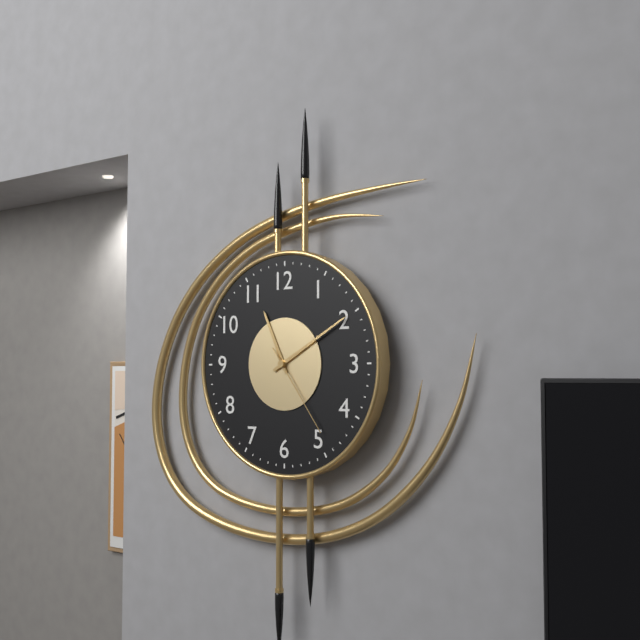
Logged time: 11 h 10 min 24 s
